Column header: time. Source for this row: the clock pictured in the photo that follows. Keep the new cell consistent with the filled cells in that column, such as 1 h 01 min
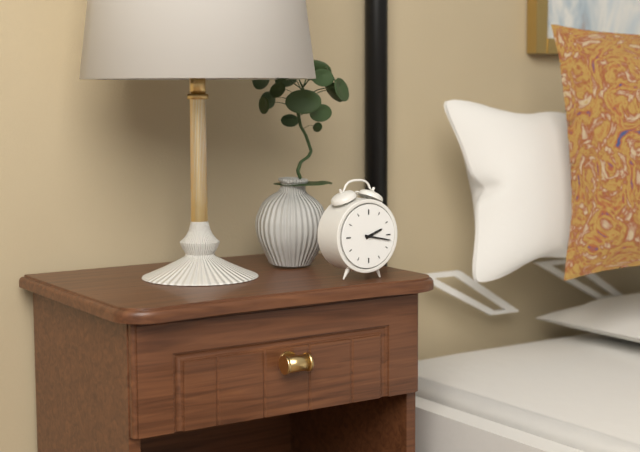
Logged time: 2 h 17 min
